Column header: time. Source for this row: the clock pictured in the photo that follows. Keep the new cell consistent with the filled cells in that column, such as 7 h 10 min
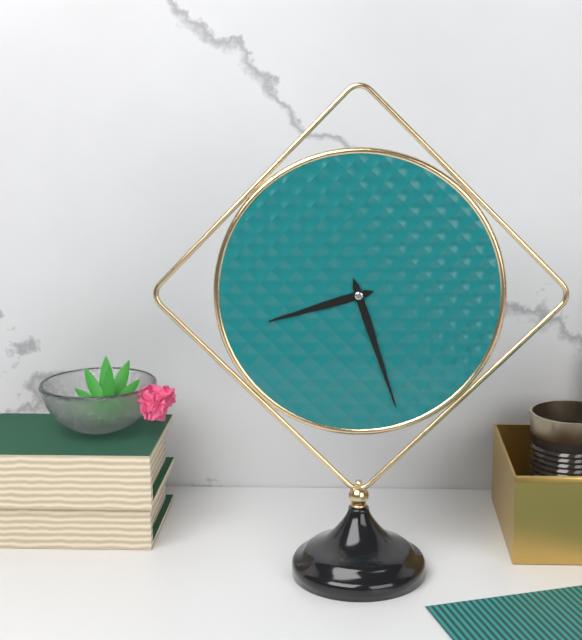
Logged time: 8 h 27 min
